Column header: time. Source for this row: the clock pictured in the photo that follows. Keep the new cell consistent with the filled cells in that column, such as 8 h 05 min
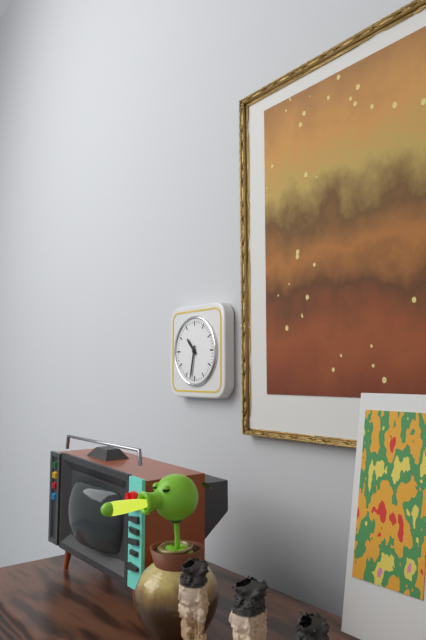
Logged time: 10 h 32 min
